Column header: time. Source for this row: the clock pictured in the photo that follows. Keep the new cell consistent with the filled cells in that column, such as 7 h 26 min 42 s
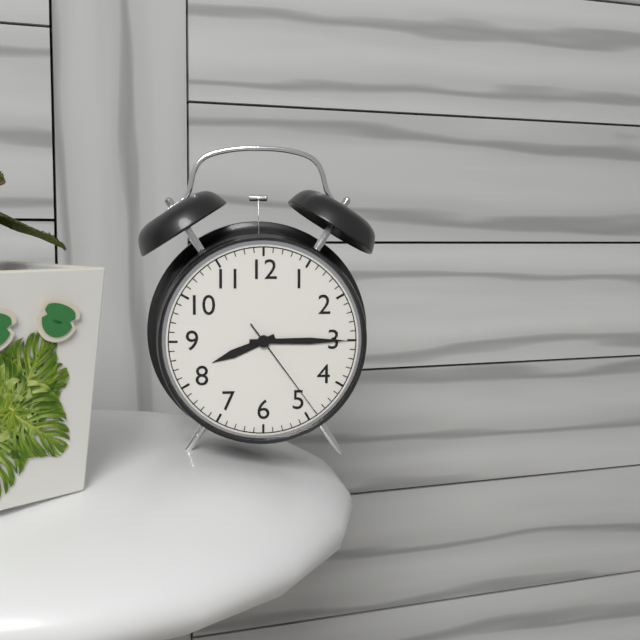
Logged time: 8 h 15 min 24 s
